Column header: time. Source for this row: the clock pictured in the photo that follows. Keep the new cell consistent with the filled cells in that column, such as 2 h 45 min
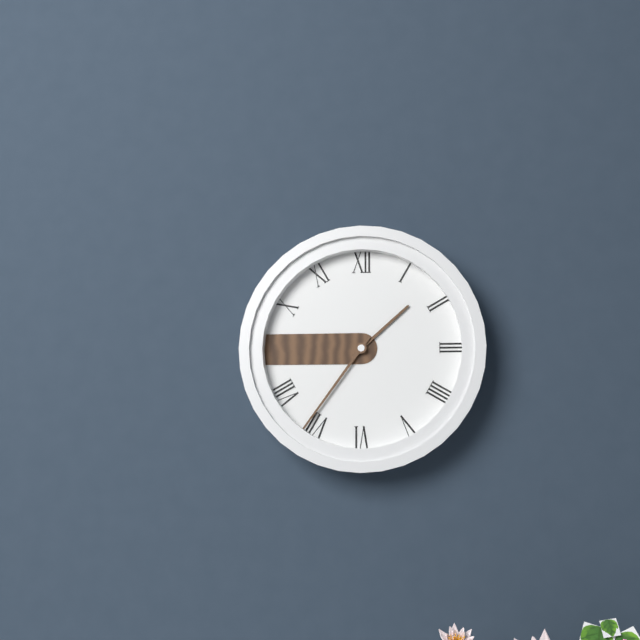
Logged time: 1 h 36 min
